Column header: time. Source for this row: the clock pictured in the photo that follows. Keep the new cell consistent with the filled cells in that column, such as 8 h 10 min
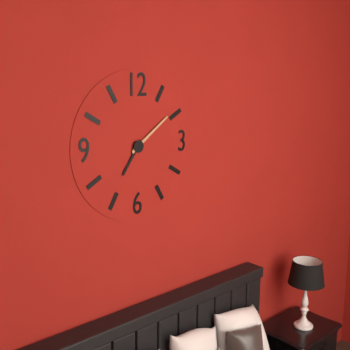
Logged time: 7 h 09 min
